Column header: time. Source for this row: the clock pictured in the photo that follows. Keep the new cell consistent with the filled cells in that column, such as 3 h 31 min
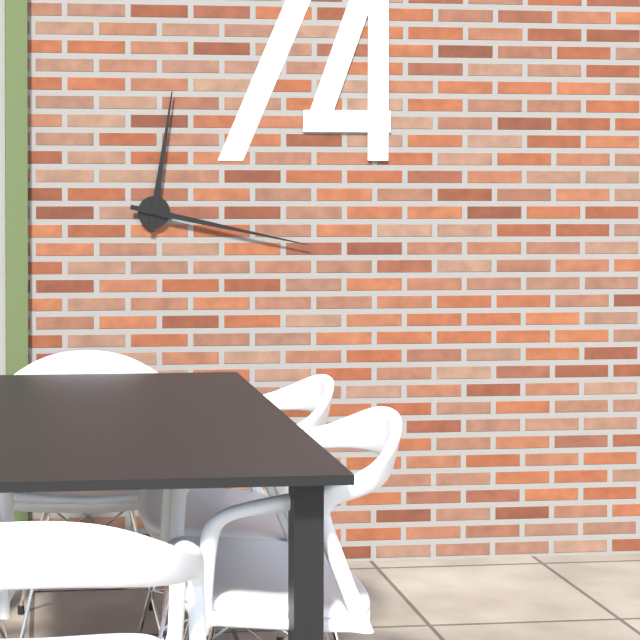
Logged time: 12 h 17 min
